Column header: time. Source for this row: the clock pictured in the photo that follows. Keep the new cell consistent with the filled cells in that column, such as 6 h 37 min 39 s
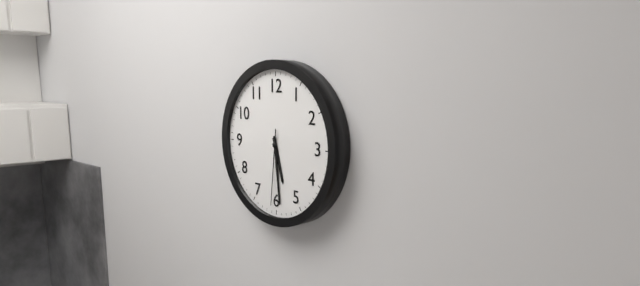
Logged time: 5 h 29 min 31 s
